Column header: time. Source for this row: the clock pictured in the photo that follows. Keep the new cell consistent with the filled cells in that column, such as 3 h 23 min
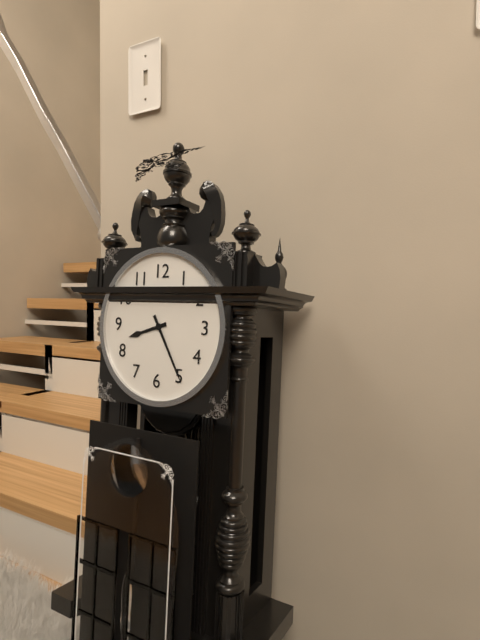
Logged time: 8 h 25 min
